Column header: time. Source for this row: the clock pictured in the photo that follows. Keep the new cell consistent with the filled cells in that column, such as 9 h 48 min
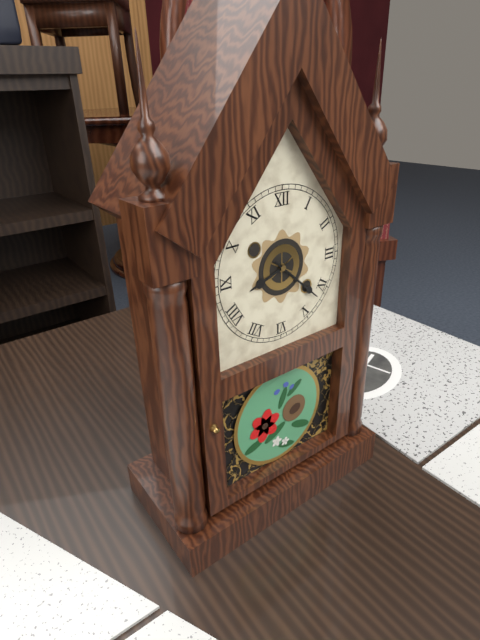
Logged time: 8 h 22 min
